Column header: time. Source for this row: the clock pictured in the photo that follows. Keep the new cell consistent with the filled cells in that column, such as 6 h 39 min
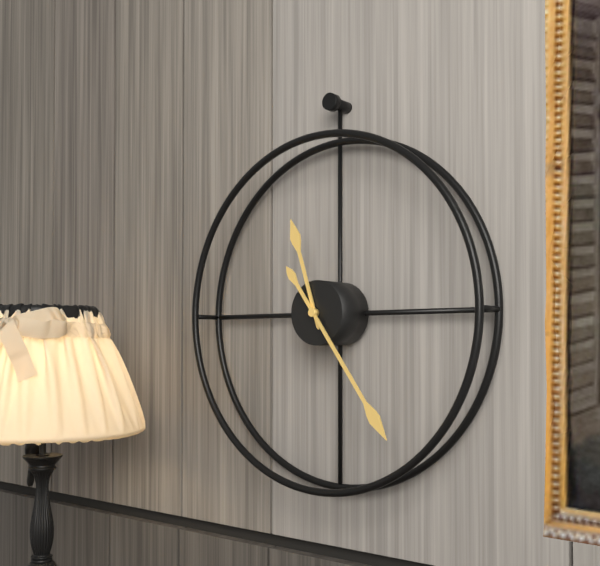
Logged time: 11 h 24 min
